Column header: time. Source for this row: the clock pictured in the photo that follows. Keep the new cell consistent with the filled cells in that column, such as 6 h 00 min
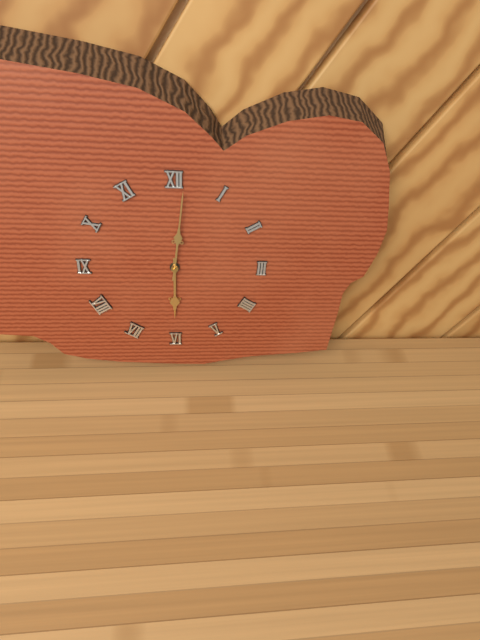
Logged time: 6 h 01 min
